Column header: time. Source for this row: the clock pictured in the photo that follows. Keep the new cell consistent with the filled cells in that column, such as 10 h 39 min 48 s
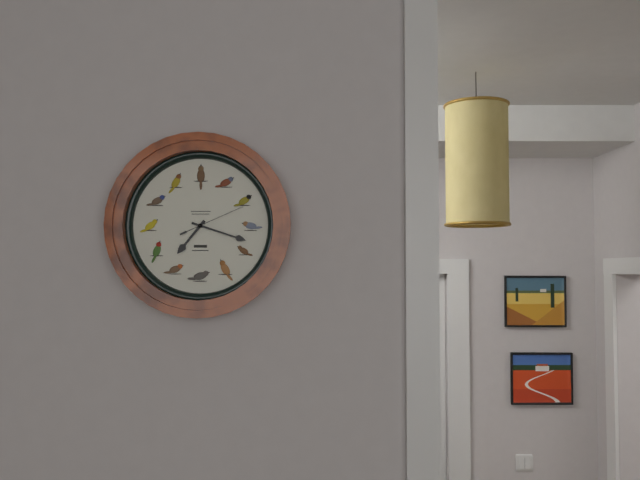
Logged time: 7 h 18 min 11 s
